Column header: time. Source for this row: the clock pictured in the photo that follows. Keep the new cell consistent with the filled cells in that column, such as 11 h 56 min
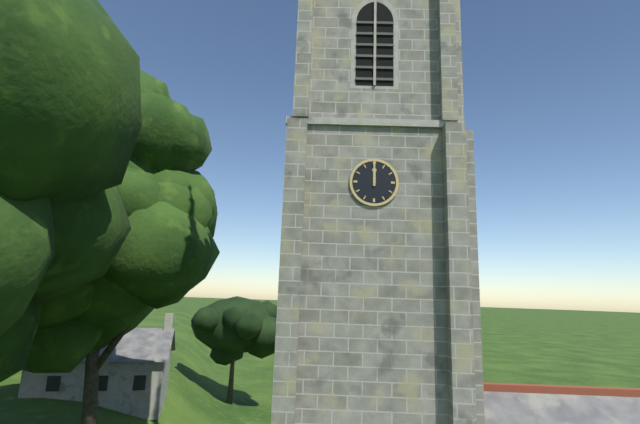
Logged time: 12 h 00 min
